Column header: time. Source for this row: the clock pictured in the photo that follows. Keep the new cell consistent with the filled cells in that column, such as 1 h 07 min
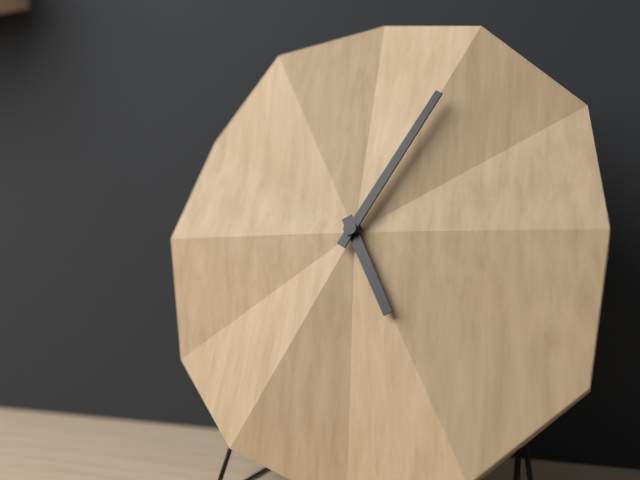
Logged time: 5 h 05 min
